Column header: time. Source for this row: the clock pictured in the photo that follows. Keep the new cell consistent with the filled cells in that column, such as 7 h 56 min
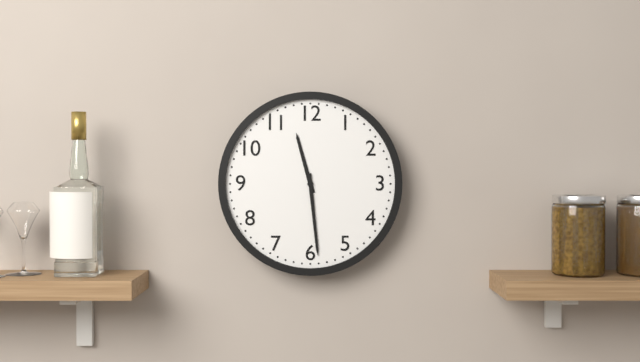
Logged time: 11 h 29 min
